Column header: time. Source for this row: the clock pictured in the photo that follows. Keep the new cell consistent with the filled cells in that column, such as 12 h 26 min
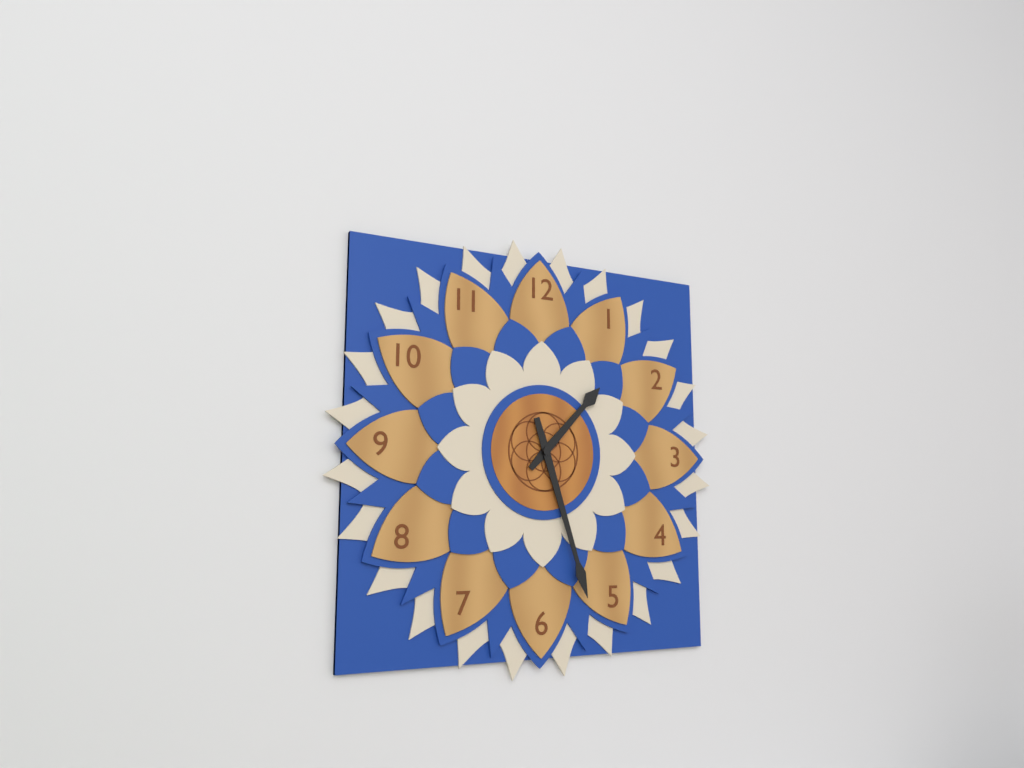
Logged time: 1 h 27 min
